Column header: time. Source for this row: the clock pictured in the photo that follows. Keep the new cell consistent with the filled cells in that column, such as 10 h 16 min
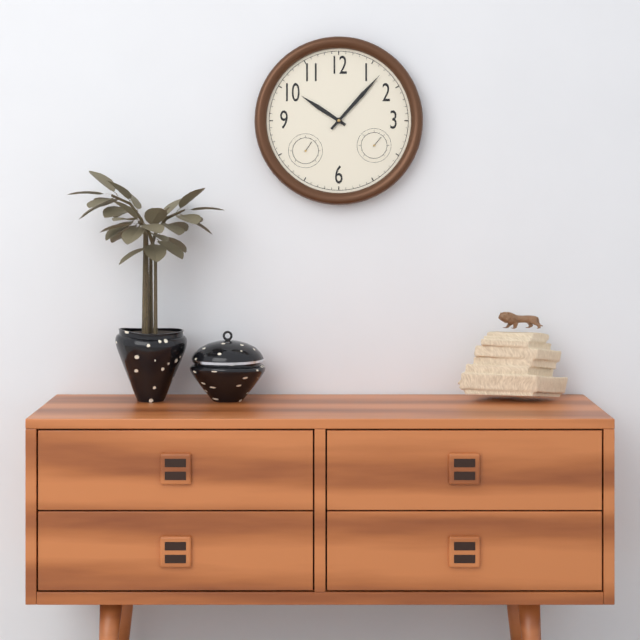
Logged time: 10 h 07 min
